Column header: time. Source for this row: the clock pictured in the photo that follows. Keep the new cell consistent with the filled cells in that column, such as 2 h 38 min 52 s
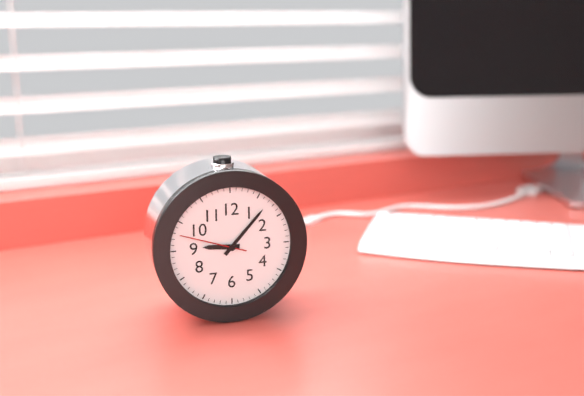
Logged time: 9 h 07 min 48 s
